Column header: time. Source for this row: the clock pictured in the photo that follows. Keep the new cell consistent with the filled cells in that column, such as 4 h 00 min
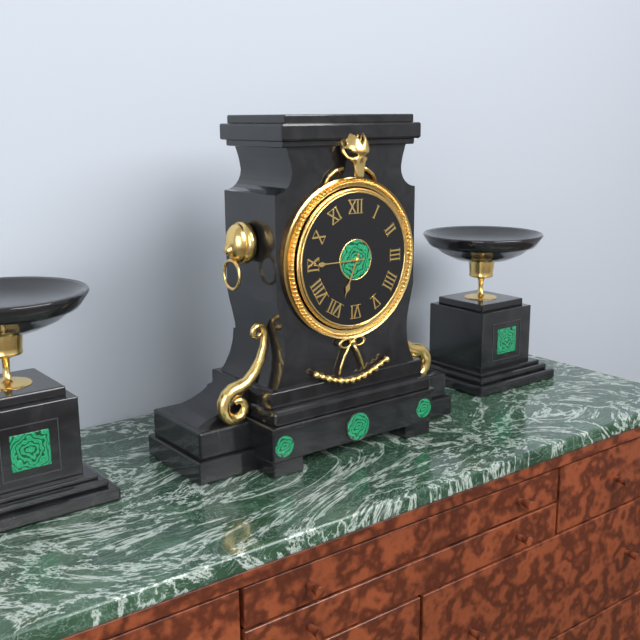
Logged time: 6 h 45 min
